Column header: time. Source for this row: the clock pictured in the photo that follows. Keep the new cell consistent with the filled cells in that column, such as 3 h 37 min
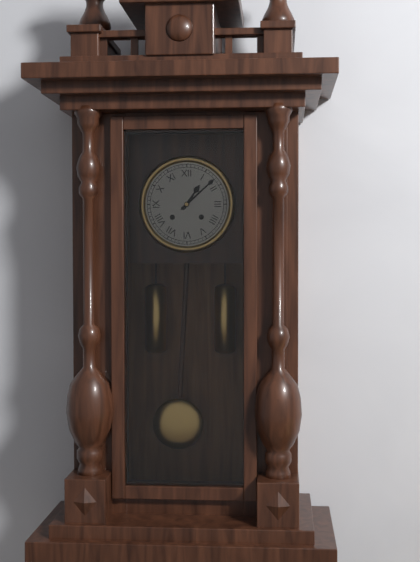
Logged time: 1 h 08 min
